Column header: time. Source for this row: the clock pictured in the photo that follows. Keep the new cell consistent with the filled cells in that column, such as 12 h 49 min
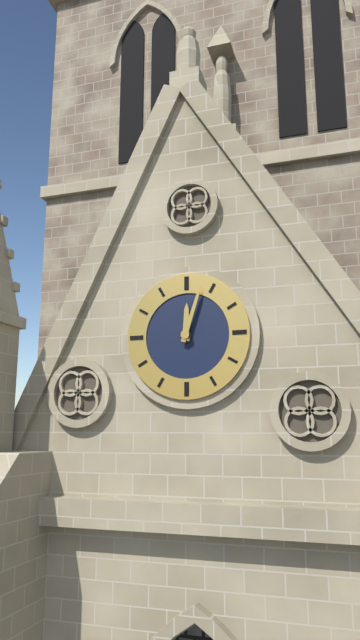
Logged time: 12 h 03 min
